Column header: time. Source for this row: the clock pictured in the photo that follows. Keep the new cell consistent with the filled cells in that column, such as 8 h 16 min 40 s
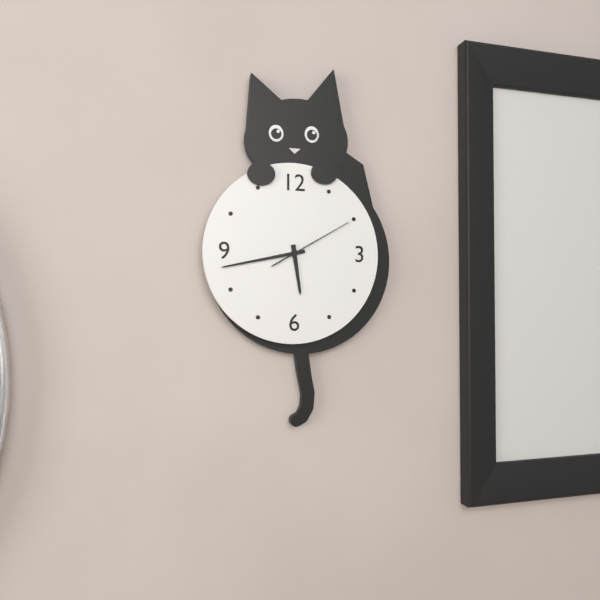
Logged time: 5 h 43 min 10 s
